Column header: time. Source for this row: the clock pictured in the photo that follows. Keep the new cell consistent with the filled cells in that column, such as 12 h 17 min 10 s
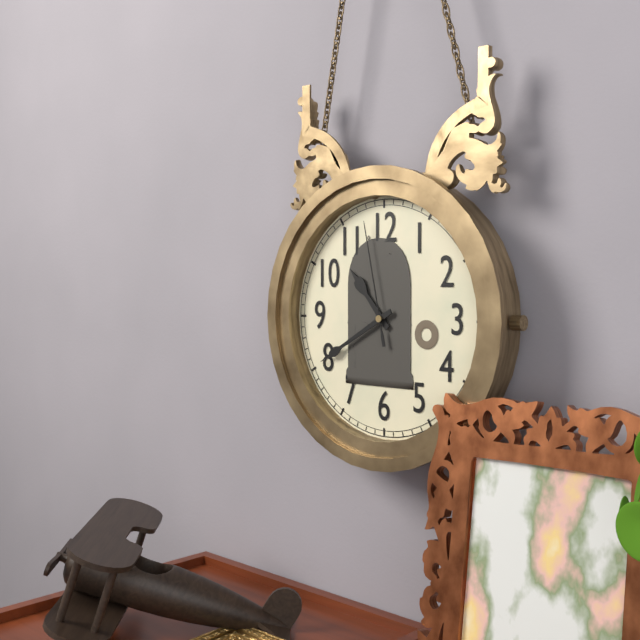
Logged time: 10 h 40 min 58 s
